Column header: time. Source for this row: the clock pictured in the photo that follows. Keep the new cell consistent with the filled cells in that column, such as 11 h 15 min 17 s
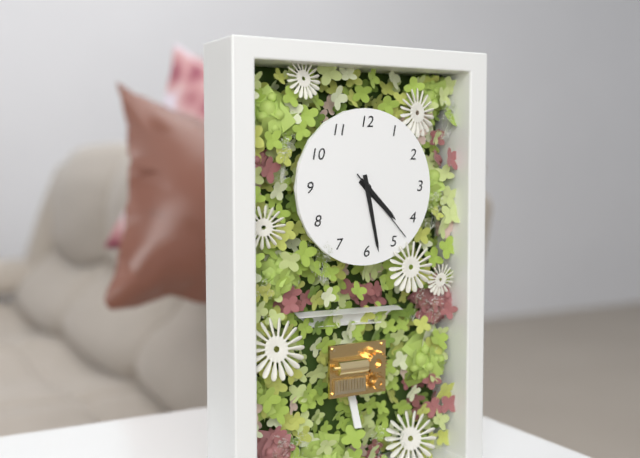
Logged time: 4 h 28 min 23 s
